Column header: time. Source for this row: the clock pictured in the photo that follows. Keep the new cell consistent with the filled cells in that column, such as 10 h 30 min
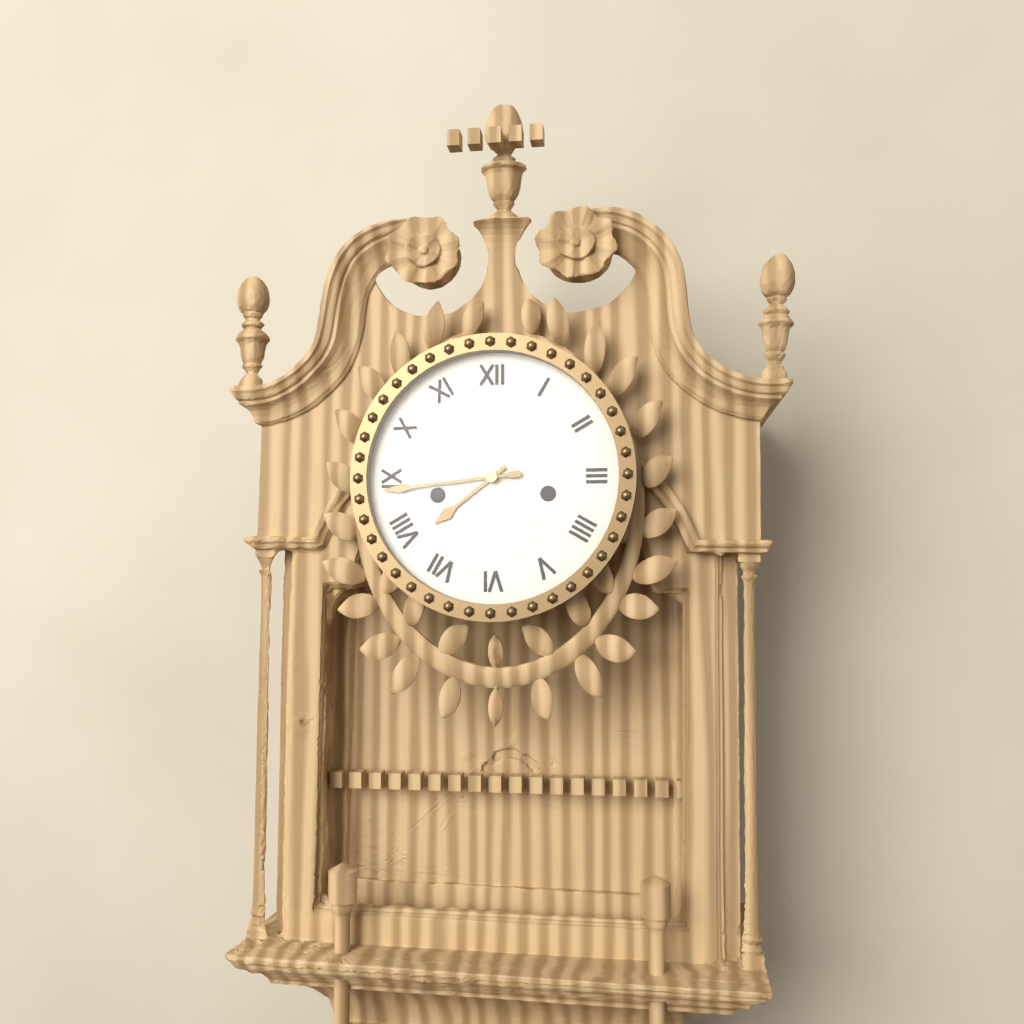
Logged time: 7 h 44 min
